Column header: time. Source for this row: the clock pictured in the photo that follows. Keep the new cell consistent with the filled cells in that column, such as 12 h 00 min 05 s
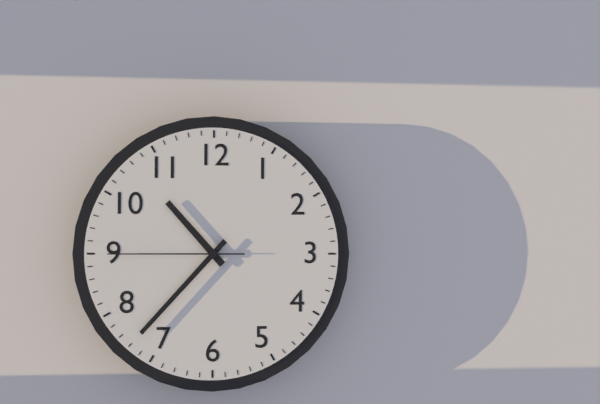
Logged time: 10 h 37 min 45 s
